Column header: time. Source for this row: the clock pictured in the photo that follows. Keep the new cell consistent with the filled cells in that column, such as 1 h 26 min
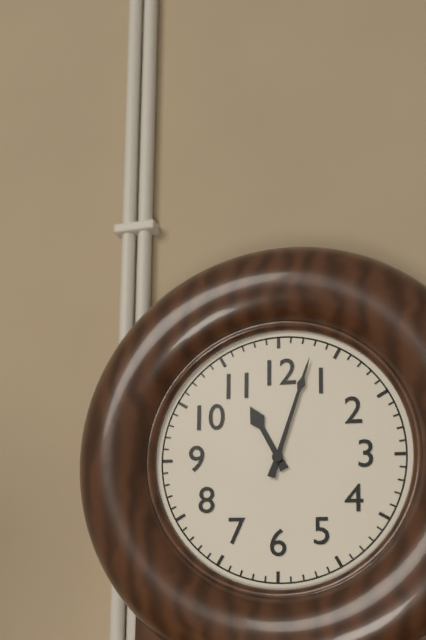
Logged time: 11 h 03 min
